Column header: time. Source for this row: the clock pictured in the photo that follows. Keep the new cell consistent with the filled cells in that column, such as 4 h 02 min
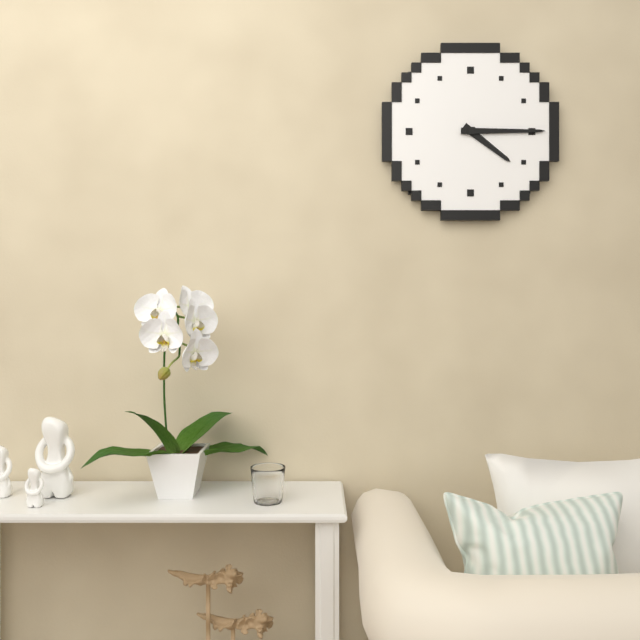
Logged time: 4 h 15 min
